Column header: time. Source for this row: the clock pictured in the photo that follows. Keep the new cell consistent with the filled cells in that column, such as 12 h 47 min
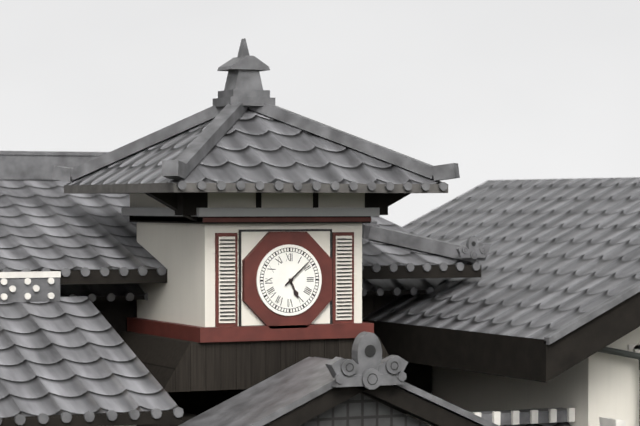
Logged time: 5 h 08 min
